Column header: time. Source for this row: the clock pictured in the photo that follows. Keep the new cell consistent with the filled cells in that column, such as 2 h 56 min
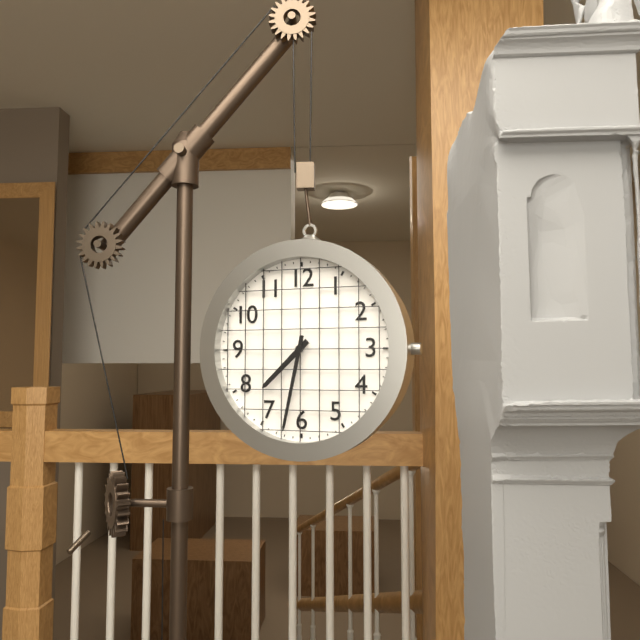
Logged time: 7 h 32 min
